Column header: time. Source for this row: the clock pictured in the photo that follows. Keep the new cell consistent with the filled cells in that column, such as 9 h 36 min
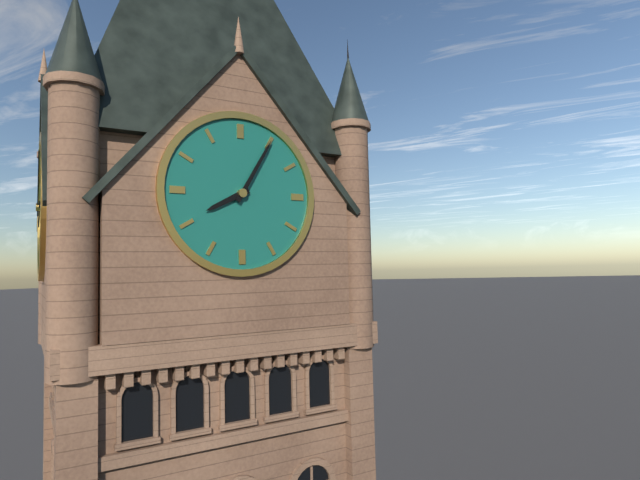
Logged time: 8 h 05 min
